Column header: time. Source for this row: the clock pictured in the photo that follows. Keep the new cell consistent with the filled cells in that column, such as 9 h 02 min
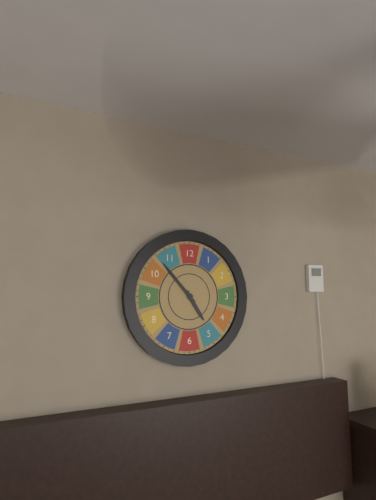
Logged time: 4 h 53 min
